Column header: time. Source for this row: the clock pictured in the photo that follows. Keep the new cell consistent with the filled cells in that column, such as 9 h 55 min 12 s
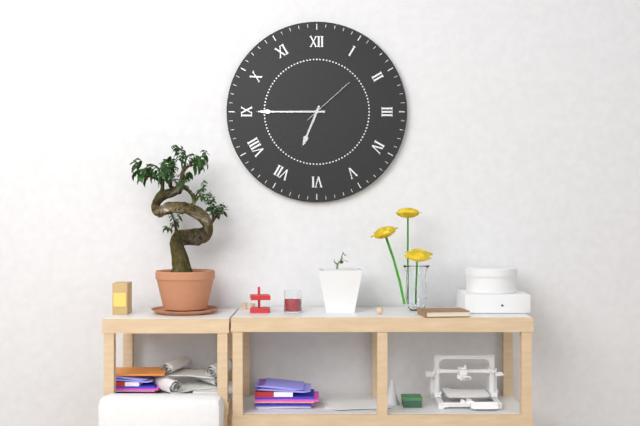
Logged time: 6 h 45 min 08 s
